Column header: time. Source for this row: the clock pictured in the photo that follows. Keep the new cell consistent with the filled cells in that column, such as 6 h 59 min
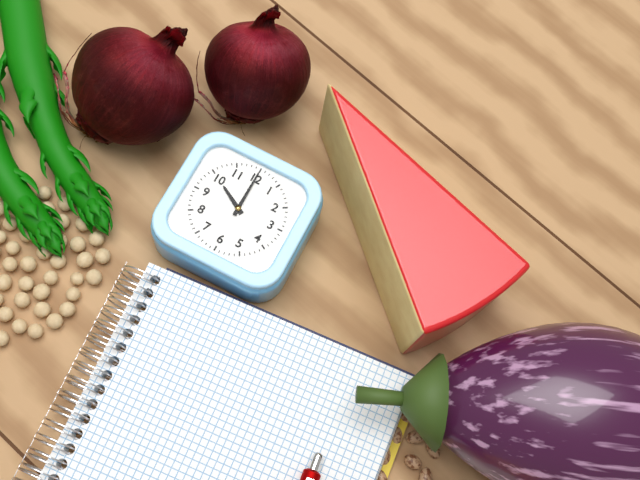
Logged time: 10 h 00 min
